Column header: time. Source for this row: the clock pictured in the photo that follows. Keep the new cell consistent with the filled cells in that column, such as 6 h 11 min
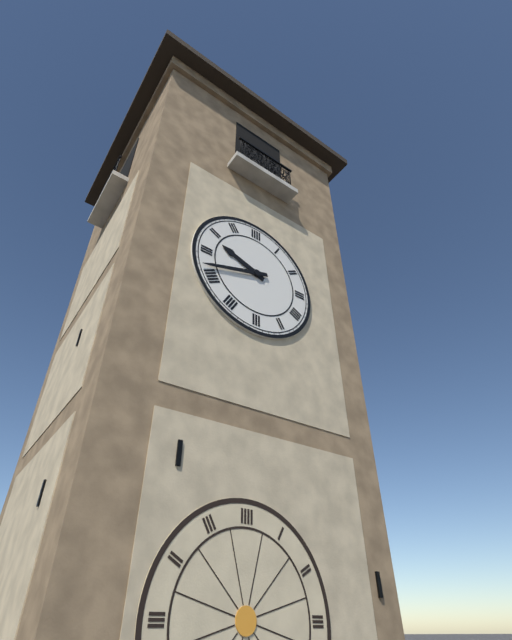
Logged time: 9 h 42 min
